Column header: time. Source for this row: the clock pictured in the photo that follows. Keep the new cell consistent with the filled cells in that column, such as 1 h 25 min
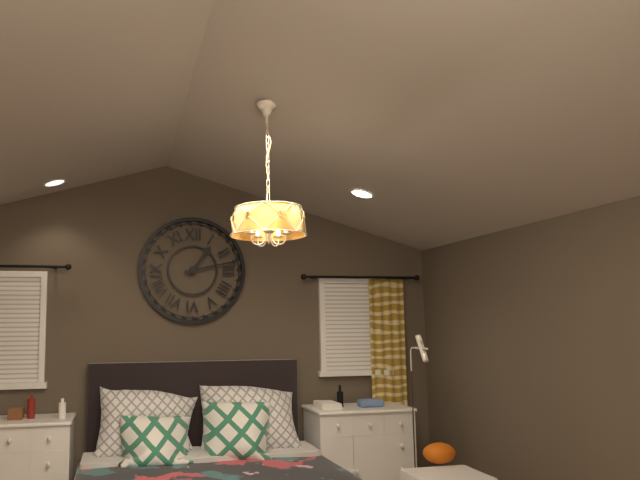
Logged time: 1 h 13 min
